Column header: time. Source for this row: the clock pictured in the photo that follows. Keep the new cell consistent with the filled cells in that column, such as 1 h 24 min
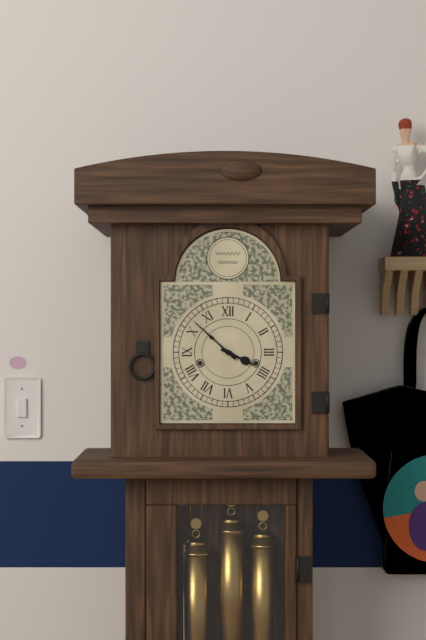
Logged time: 3 h 52 min
